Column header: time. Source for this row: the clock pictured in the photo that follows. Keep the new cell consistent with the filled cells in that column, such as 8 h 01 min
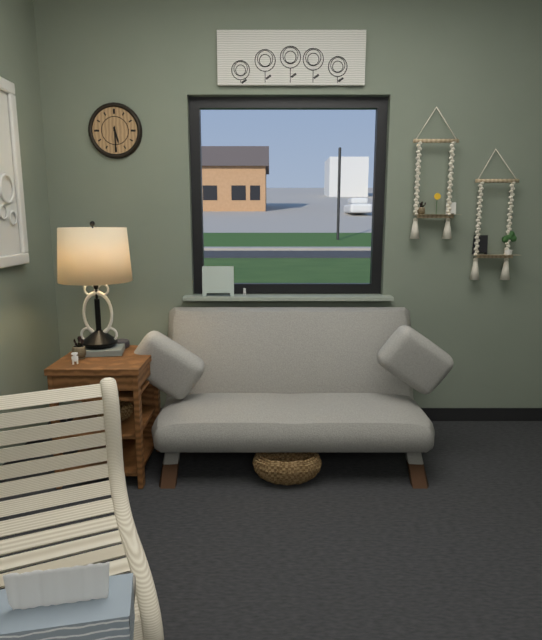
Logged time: 5 h 30 min
